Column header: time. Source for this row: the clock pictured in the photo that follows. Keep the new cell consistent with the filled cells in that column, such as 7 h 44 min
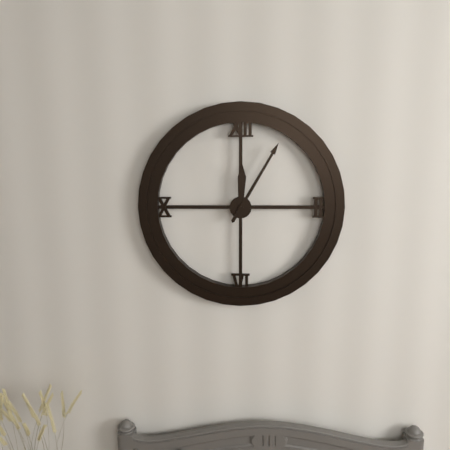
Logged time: 12 h 05 min
